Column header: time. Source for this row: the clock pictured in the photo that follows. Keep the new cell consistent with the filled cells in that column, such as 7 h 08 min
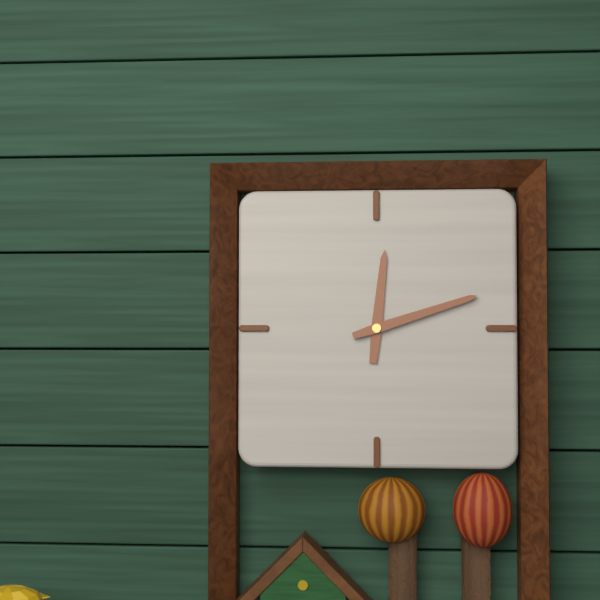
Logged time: 12 h 12 min
